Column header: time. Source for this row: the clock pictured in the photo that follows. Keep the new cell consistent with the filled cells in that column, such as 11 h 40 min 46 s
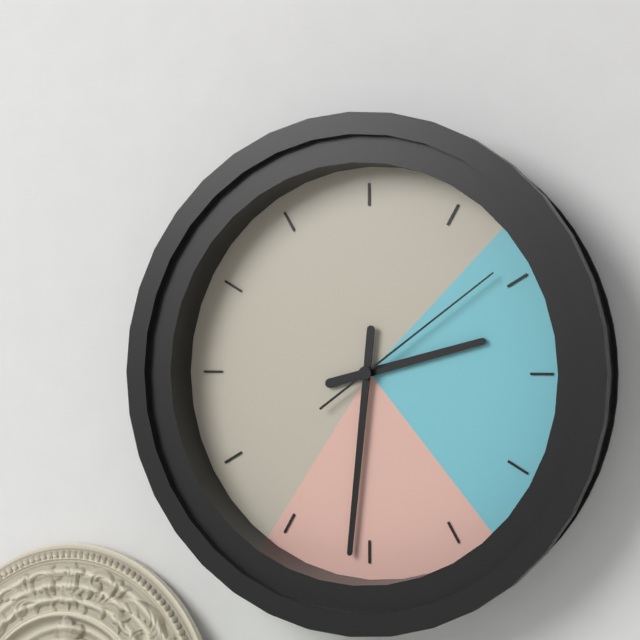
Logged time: 2 h 31 min 09 s
